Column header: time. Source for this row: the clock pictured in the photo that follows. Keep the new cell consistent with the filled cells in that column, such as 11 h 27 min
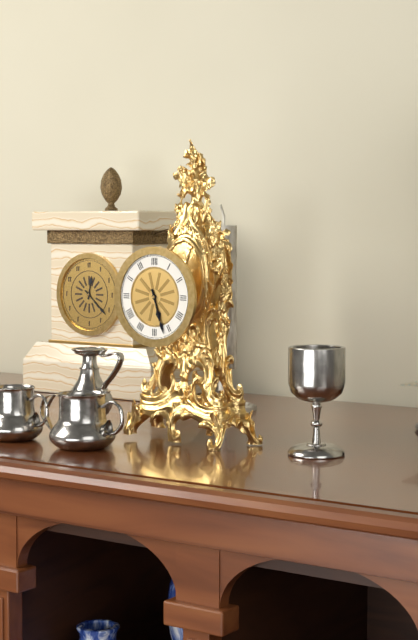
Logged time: 5 h 27 min
